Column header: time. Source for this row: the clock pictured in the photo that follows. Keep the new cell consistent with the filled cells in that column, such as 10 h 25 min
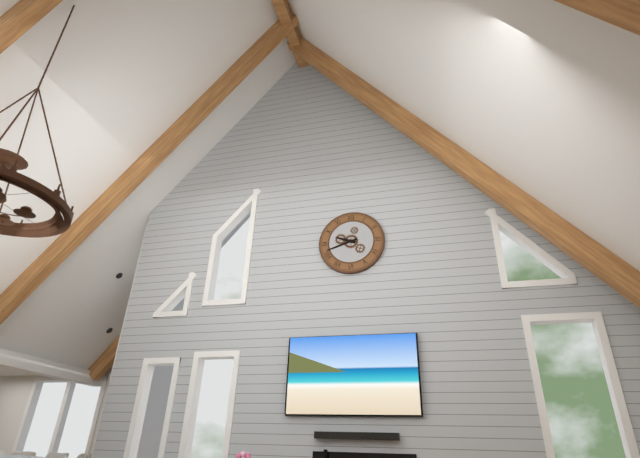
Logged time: 9 h 42 min
